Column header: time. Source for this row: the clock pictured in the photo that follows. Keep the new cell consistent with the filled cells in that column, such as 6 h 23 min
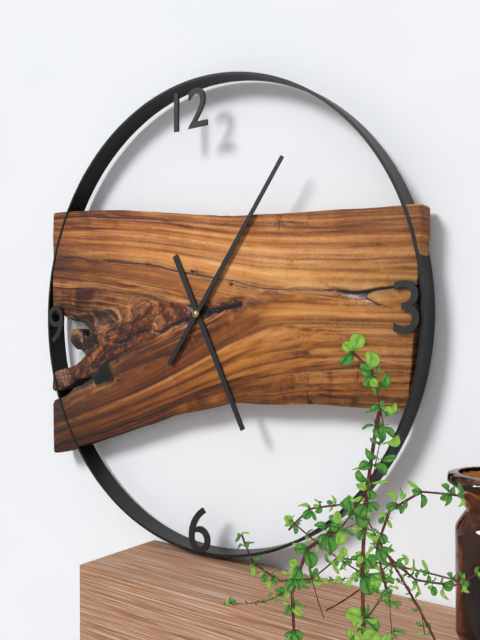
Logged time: 5 h 06 min
